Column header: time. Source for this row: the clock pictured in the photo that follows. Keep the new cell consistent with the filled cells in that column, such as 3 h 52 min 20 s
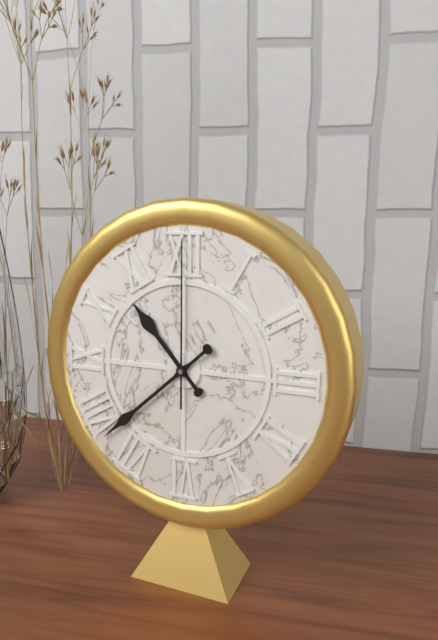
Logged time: 10 h 38 min 00 s
